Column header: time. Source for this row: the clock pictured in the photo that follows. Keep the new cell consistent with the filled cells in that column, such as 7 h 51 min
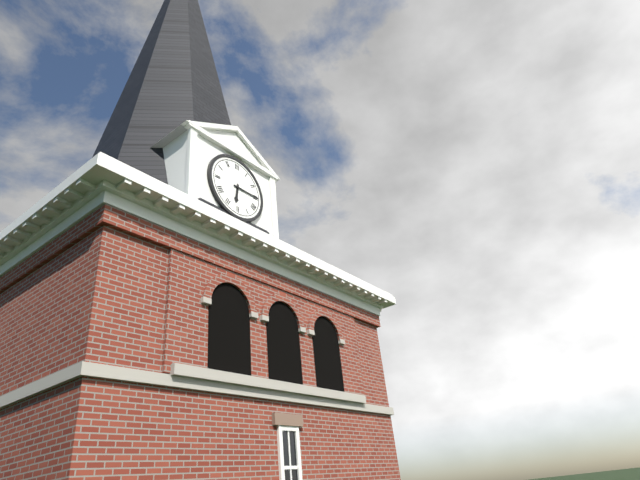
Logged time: 6 h 15 min
